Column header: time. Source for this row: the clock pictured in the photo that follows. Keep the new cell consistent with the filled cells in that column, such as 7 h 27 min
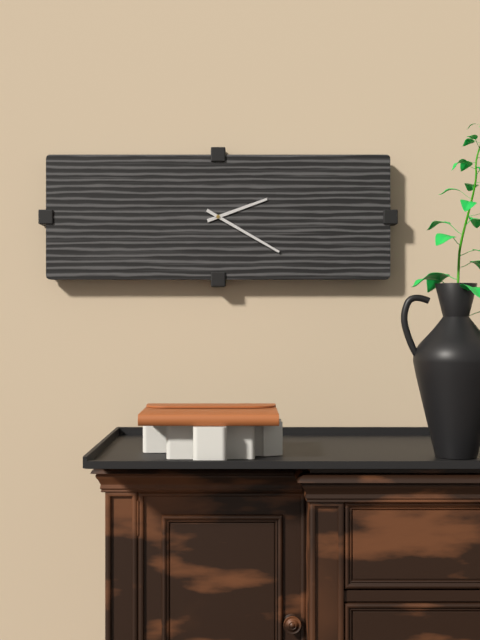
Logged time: 2 h 20 min
